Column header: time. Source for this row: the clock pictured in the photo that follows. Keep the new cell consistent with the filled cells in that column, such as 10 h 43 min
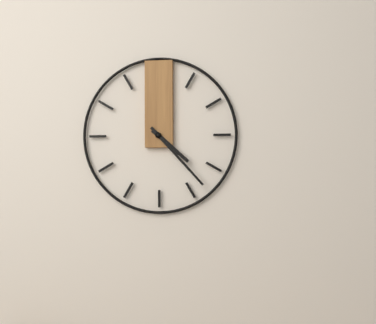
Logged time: 4 h 23 min
